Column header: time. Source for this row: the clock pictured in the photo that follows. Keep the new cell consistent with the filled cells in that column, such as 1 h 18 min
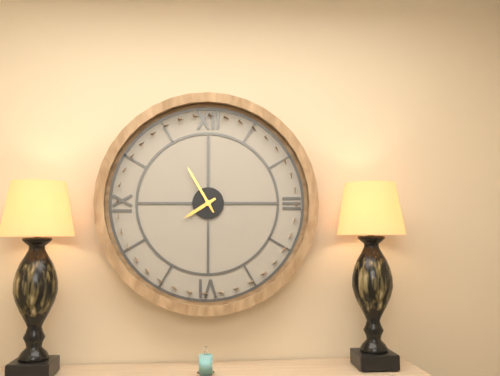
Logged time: 7 h 55 min
